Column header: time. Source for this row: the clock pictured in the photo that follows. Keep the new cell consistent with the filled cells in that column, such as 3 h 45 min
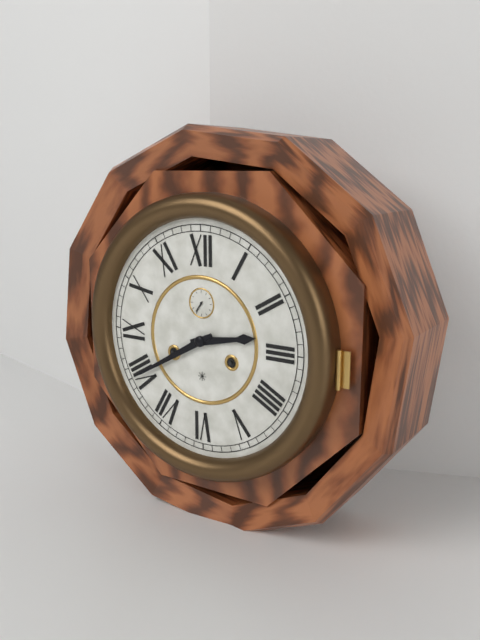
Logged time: 2 h 40 min
